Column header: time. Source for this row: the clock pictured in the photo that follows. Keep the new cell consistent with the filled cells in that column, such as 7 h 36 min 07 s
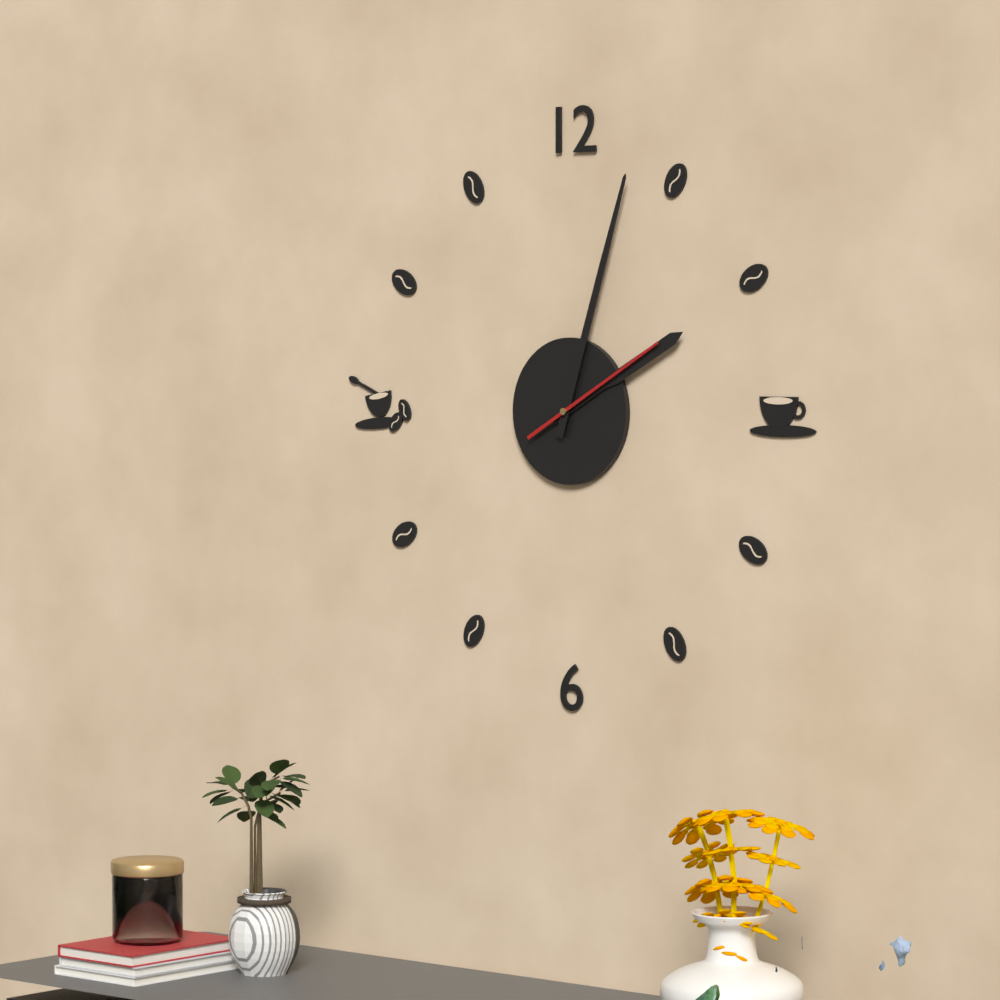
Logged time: 2 h 03 min 10 s
